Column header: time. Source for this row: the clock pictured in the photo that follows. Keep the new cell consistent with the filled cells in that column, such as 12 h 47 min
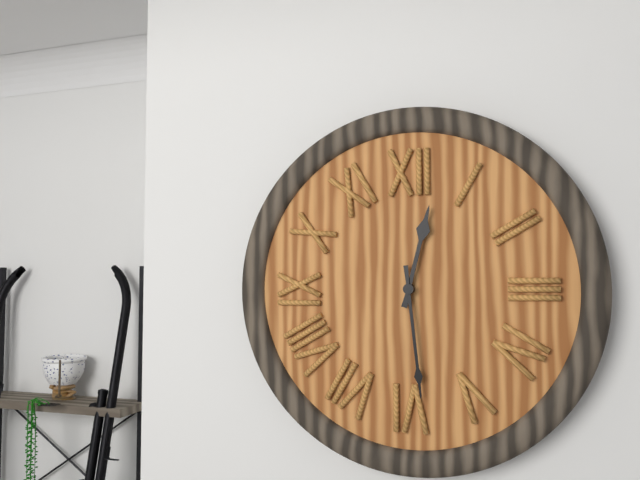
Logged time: 12 h 29 min
